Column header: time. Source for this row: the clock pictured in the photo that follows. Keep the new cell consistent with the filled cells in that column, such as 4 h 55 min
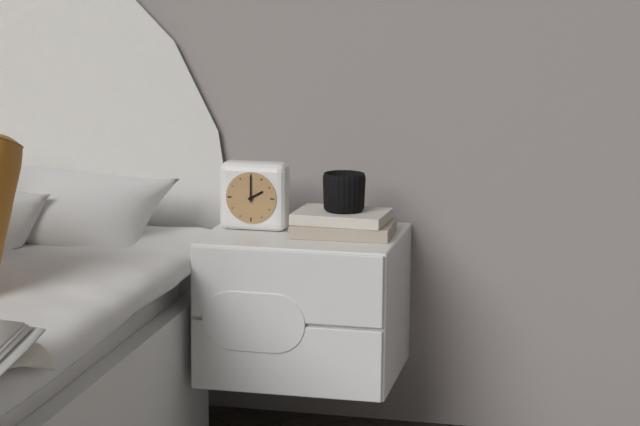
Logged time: 2 h 00 min
